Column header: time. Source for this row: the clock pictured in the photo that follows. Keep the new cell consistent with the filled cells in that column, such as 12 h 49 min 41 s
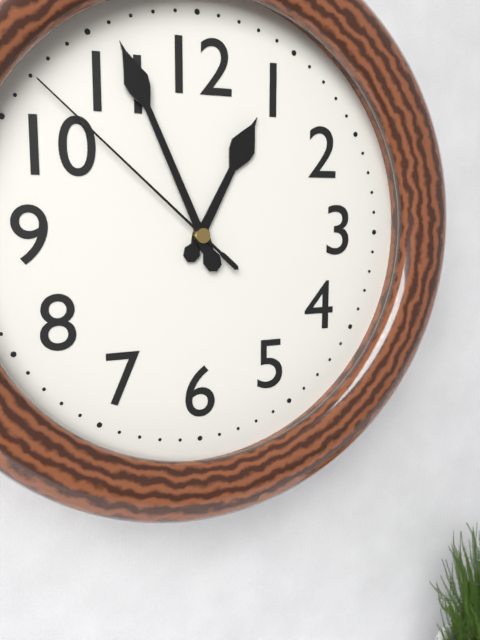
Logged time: 12 h 56 min 52 s
